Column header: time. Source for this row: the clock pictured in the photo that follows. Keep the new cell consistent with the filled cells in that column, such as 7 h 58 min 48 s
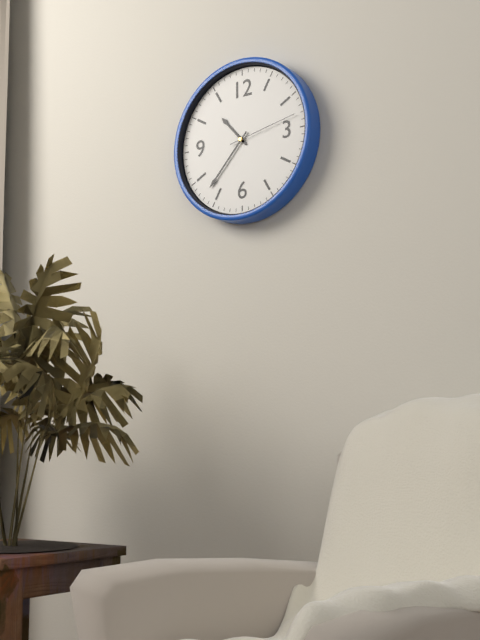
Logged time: 10 h 37 min 13 s
